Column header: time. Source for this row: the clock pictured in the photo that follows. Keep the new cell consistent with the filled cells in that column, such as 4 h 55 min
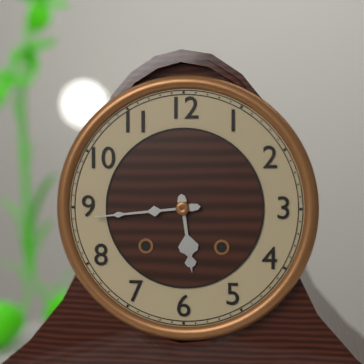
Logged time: 5 h 44 min
